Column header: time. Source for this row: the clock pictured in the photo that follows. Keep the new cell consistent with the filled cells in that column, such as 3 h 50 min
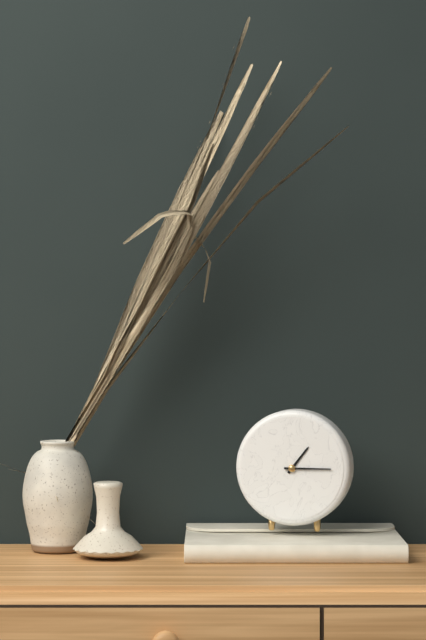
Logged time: 1 h 15 min
